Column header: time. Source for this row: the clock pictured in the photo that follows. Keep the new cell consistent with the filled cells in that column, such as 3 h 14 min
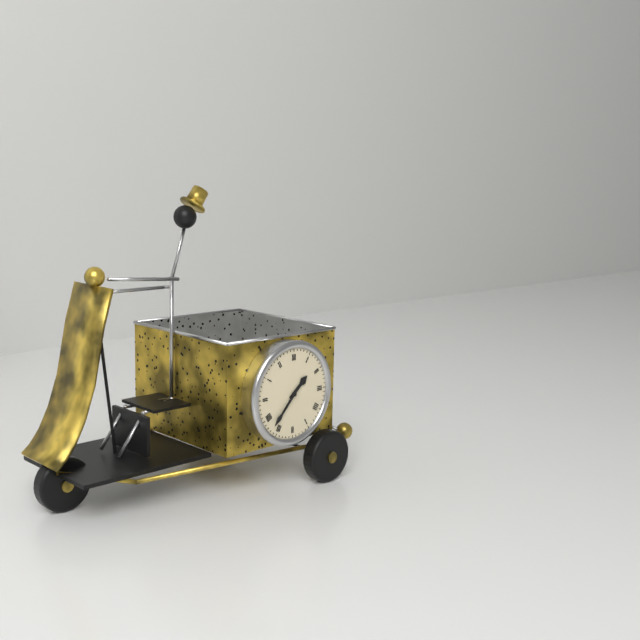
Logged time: 1 h 37 min
